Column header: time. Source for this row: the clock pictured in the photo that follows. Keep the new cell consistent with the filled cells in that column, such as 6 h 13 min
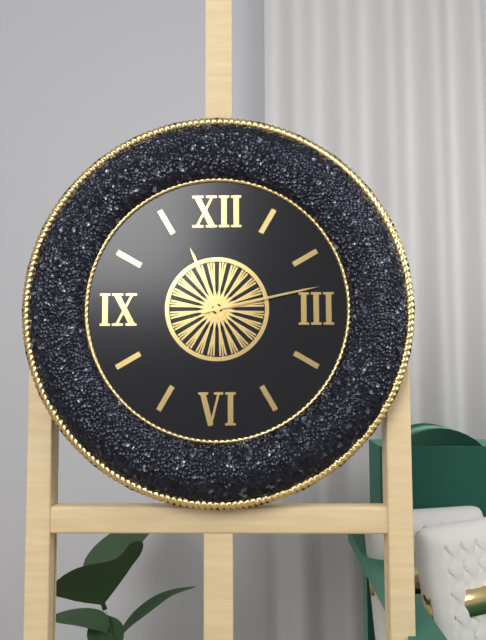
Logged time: 11 h 13 min
